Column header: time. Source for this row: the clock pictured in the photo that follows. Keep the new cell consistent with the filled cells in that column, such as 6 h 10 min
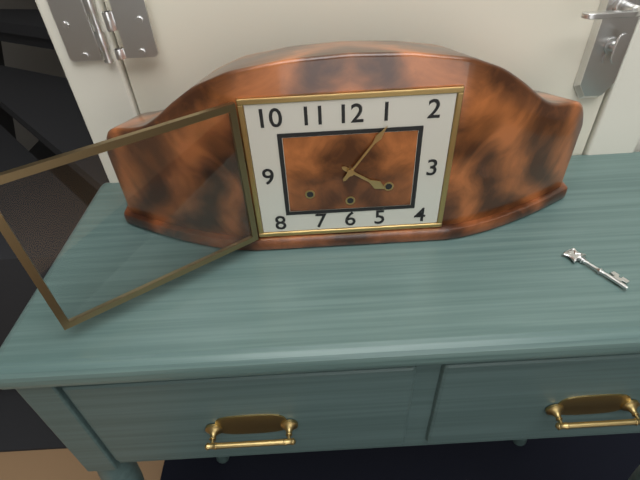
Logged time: 4 h 06 min
